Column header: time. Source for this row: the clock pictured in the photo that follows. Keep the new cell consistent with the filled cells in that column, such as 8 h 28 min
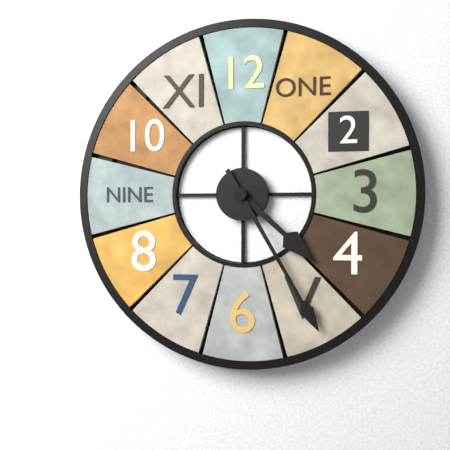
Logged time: 4 h 25 min
